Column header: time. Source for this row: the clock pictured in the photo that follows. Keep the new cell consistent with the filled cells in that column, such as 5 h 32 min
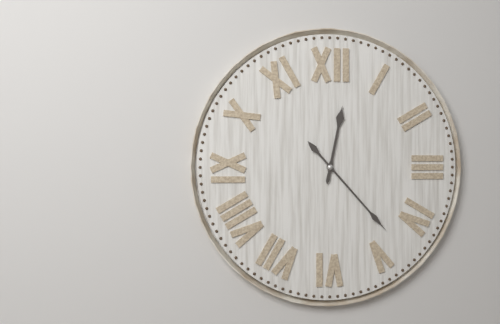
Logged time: 12 h 23 min
